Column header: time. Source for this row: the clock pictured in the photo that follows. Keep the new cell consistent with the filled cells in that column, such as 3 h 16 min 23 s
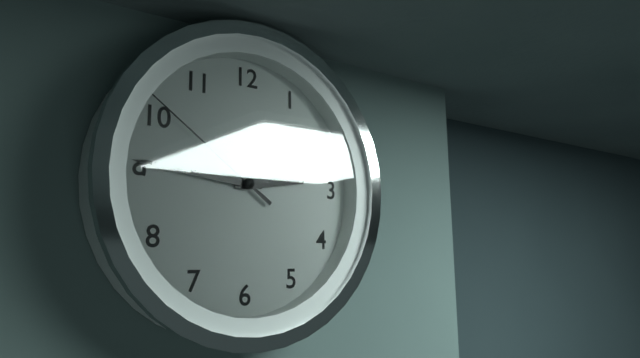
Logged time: 2 h 46 min 51 s
